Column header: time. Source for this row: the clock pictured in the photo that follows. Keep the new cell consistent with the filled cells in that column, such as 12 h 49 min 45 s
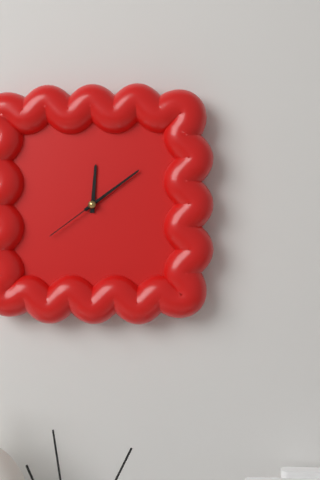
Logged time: 12 h 09 min 39 s
